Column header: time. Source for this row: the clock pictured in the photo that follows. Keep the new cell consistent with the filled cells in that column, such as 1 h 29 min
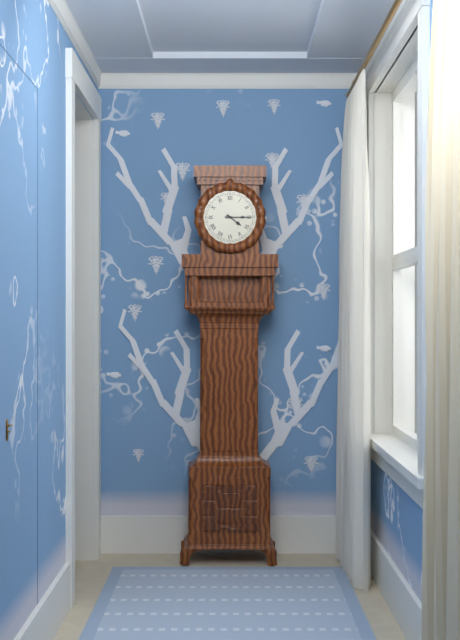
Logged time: 4 h 15 min
